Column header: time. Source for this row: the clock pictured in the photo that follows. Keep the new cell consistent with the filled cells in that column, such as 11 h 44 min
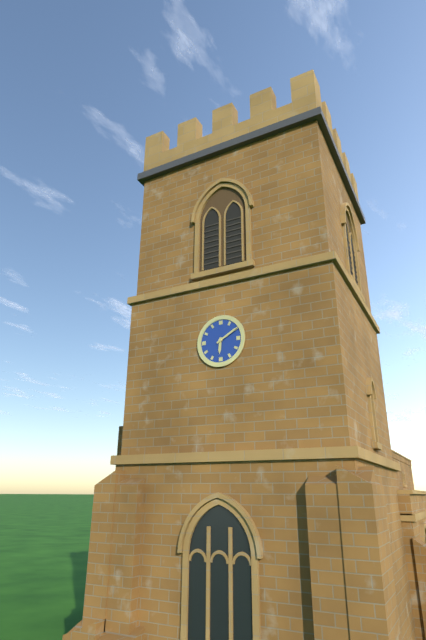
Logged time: 6 h 10 min
